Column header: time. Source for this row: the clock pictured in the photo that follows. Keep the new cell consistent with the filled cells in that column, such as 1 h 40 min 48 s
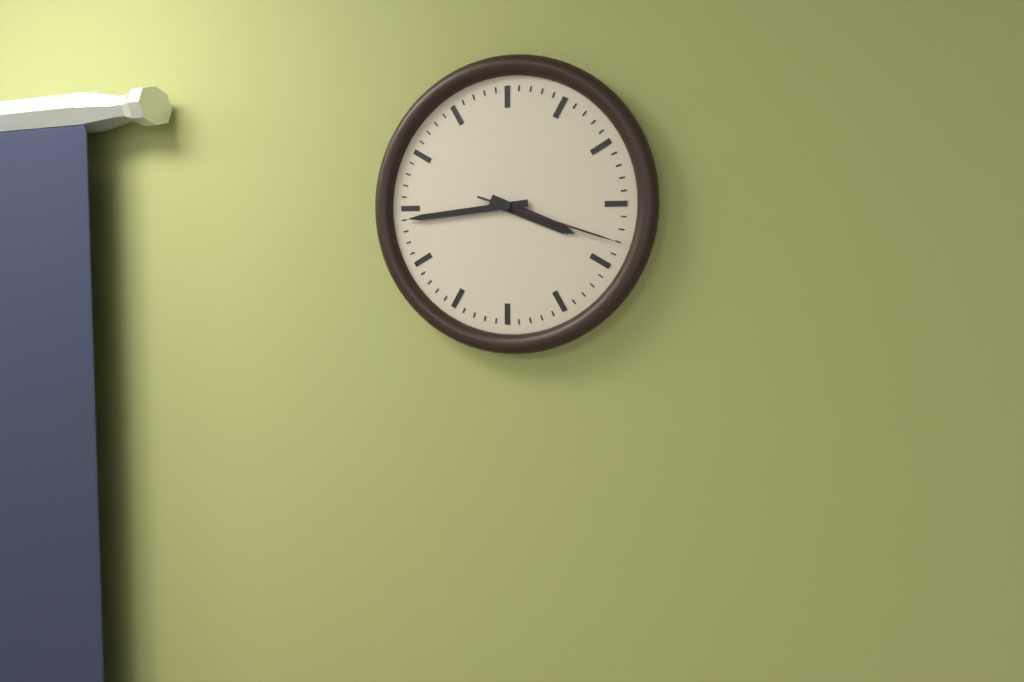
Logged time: 3 h 44 min 18 s
